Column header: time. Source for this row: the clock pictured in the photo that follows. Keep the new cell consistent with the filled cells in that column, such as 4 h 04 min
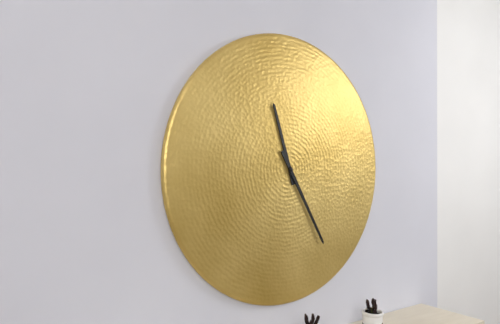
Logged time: 11 h 25 min
